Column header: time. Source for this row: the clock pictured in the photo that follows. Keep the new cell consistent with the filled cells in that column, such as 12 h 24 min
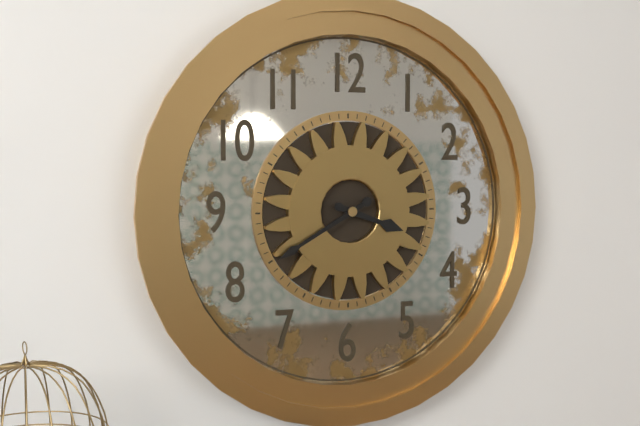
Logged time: 3 h 40 min
